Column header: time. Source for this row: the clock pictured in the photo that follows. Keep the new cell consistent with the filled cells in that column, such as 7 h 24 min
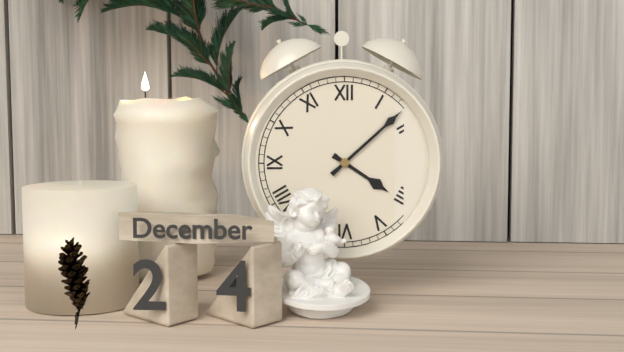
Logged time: 4 h 08 min
